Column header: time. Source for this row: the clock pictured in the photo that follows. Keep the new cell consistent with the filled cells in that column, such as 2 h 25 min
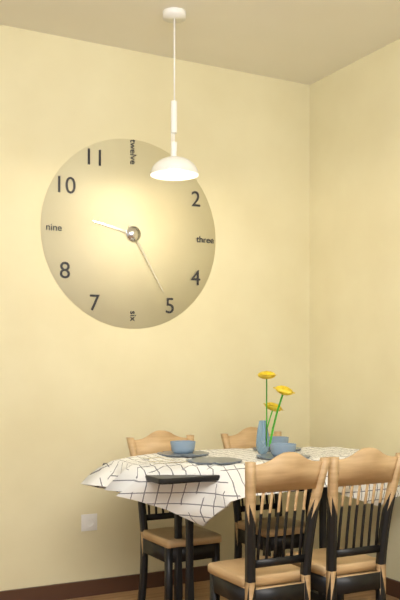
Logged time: 9 h 25 min
